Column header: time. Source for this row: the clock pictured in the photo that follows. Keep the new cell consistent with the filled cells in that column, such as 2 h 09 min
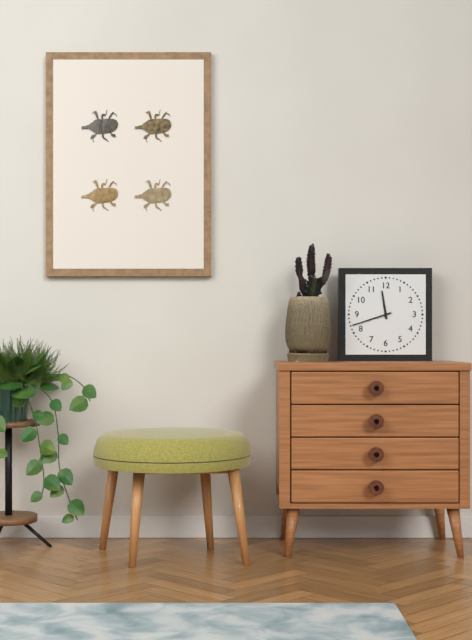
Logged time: 11 h 42 min
